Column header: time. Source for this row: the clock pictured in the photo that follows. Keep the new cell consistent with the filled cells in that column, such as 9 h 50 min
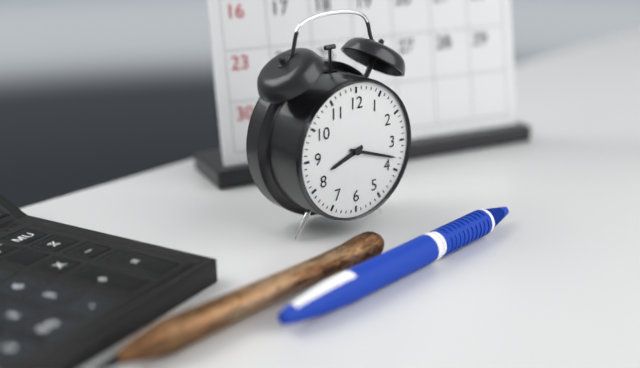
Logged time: 8 h 18 min
